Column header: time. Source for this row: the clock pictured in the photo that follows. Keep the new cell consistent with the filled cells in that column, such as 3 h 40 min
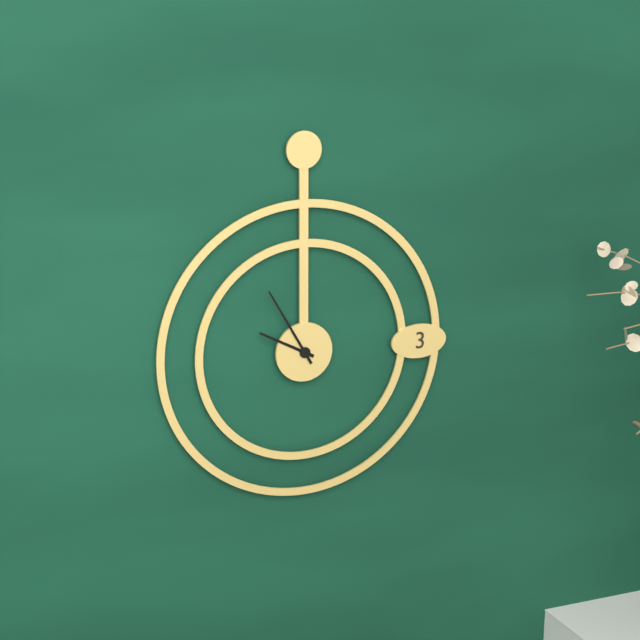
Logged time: 9 h 55 min
